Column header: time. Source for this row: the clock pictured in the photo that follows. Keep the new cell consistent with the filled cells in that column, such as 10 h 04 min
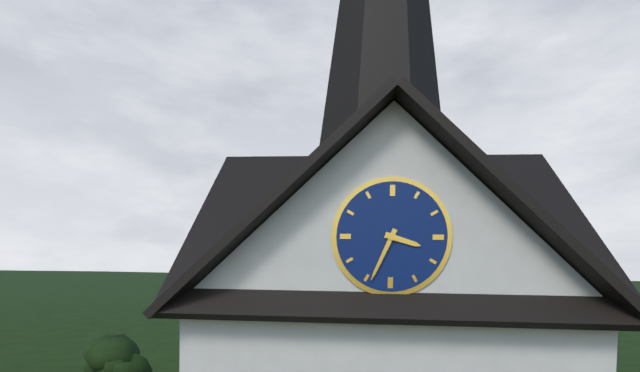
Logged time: 3 h 34 min
